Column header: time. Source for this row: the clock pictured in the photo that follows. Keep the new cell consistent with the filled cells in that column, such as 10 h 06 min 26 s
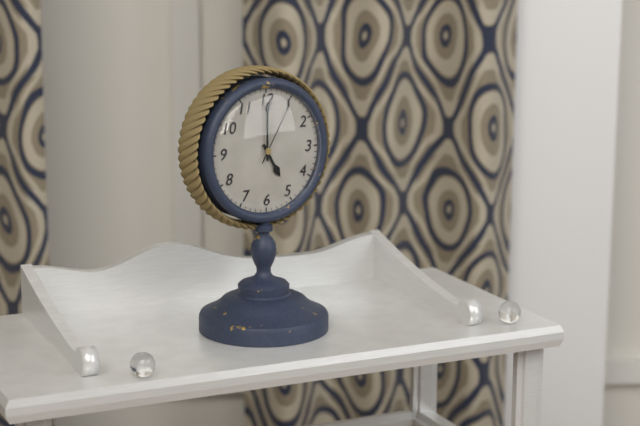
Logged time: 5 h 00 min 05 s
